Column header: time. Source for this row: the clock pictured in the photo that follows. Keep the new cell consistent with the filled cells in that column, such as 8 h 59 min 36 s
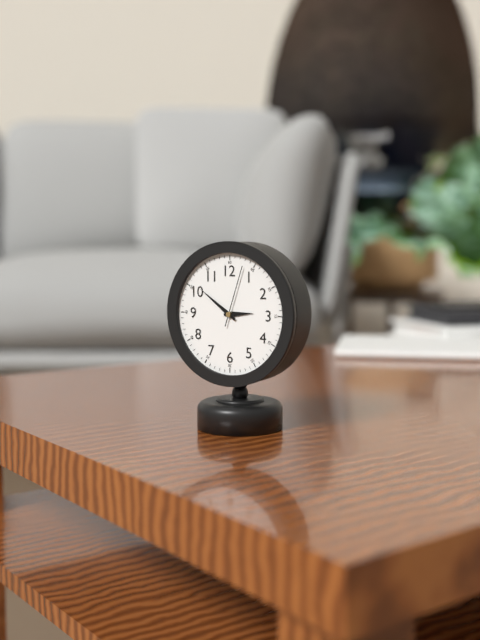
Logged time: 2 h 51 min 03 s
